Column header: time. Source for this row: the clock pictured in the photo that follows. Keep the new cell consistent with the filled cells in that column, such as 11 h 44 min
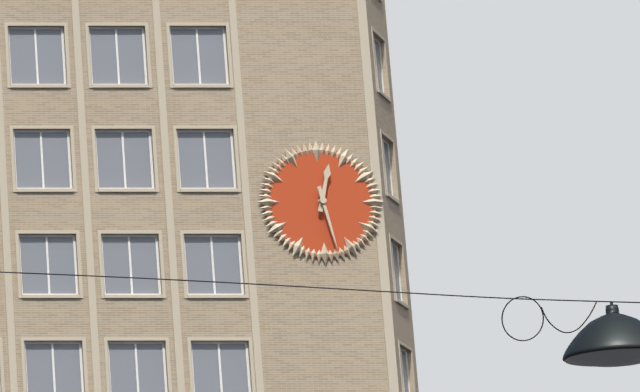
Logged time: 12 h 28 min
